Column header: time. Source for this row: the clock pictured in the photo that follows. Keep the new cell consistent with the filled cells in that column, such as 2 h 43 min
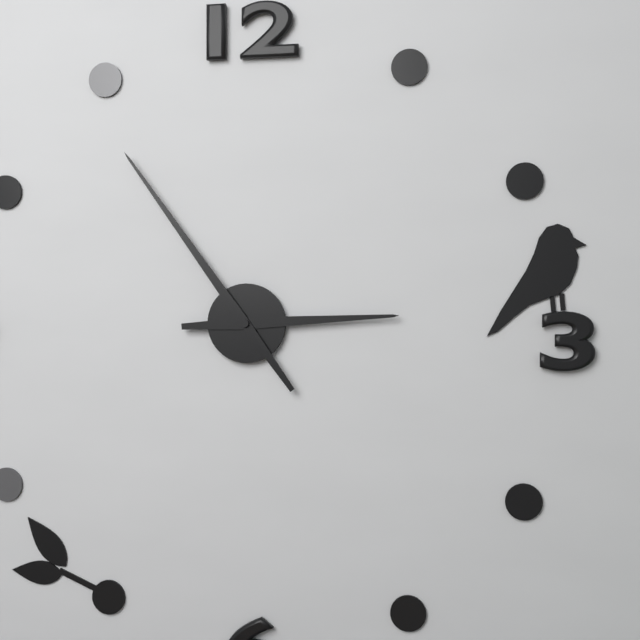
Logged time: 2 h 54 min
